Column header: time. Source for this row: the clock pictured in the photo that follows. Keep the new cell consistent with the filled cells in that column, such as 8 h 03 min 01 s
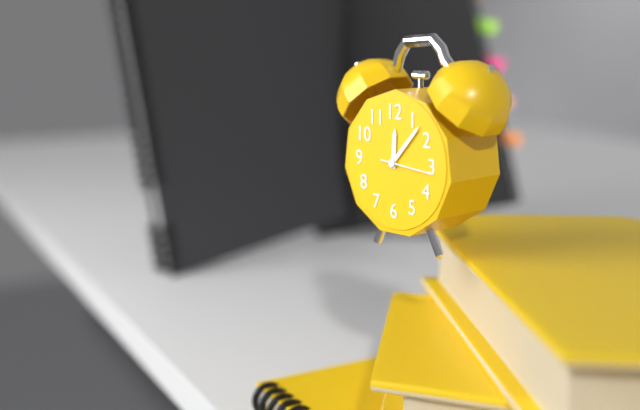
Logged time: 12 h 07 min 16 s
